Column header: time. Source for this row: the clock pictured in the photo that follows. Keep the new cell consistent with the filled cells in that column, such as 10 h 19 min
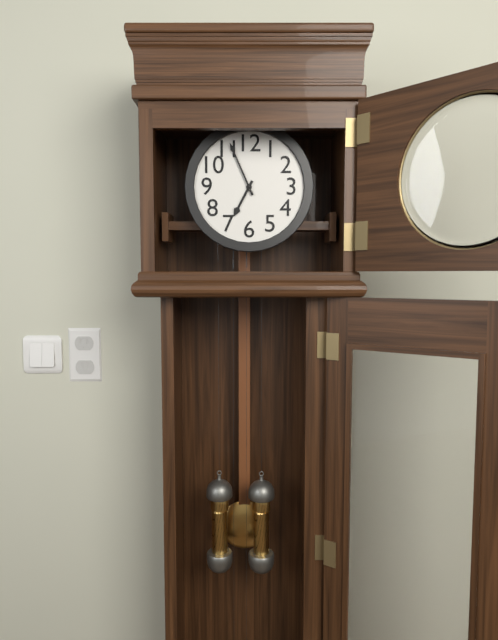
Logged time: 6 h 56 min
